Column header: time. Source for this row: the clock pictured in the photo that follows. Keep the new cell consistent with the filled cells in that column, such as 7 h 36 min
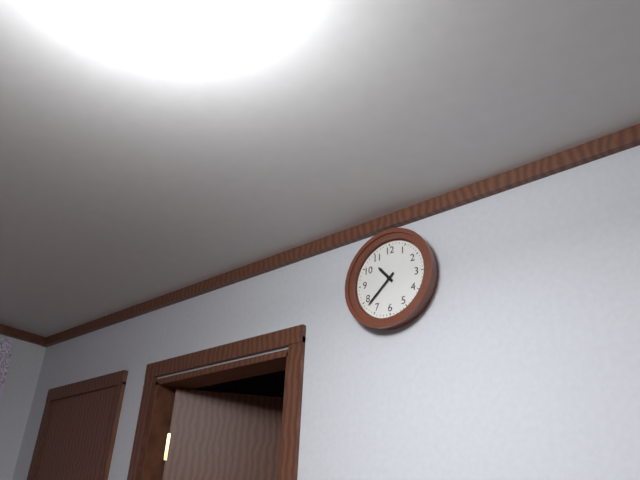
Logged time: 10 h 38 min
